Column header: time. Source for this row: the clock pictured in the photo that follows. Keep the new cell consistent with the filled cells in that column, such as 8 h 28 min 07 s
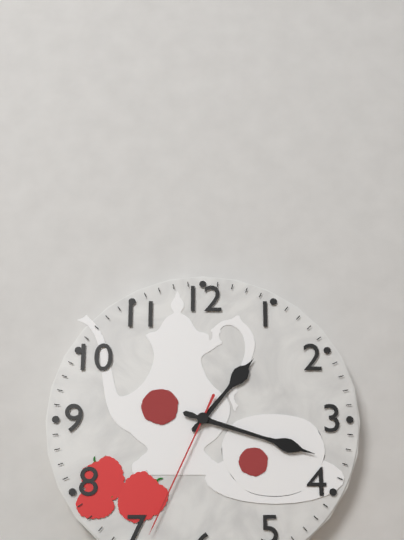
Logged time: 1 h 18 min 34 s
